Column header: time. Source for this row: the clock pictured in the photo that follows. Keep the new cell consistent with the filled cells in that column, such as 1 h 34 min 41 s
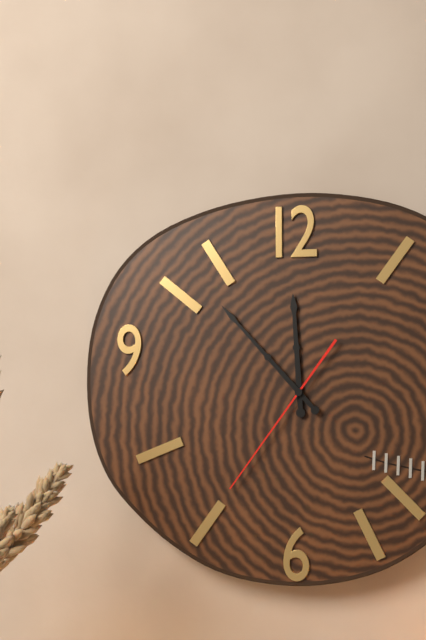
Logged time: 11 h 53 min 36 s
